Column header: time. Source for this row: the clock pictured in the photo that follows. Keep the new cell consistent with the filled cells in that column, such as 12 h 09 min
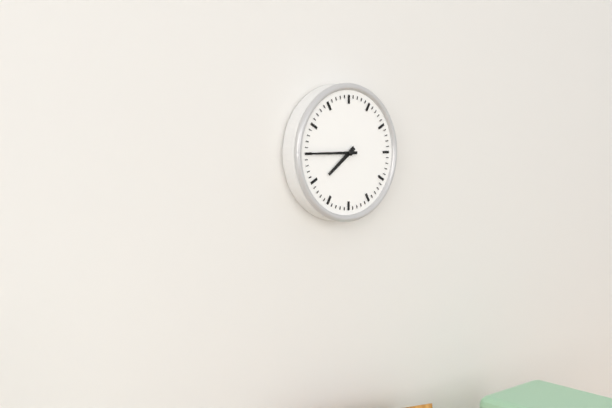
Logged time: 7 h 45 min
